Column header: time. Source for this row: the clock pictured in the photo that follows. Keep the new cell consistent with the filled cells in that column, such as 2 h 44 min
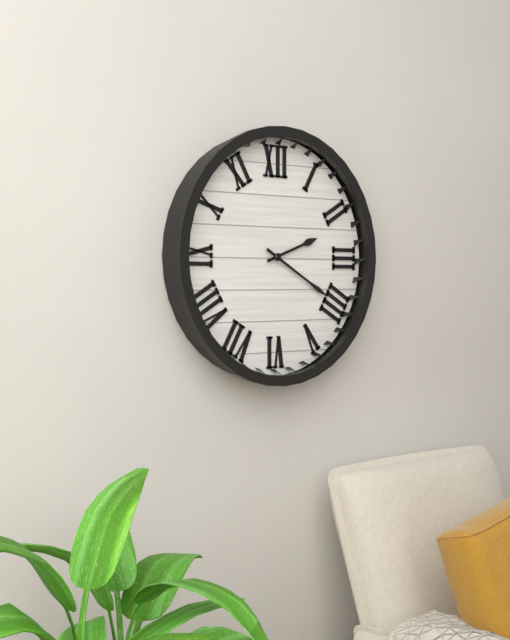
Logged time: 2 h 20 min
